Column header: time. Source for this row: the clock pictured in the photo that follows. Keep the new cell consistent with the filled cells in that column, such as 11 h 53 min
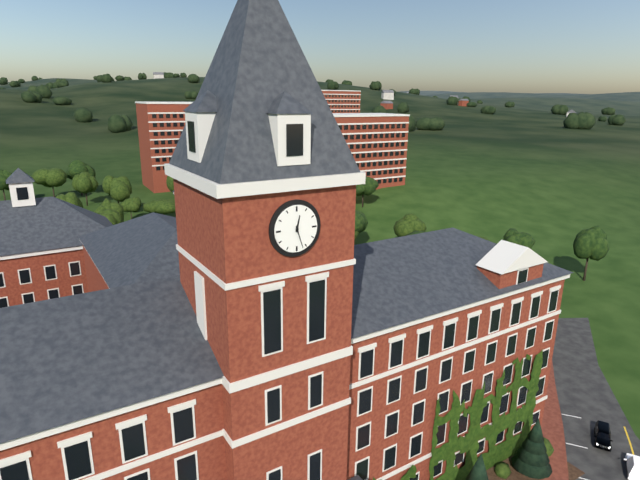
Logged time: 12 h 27 min
